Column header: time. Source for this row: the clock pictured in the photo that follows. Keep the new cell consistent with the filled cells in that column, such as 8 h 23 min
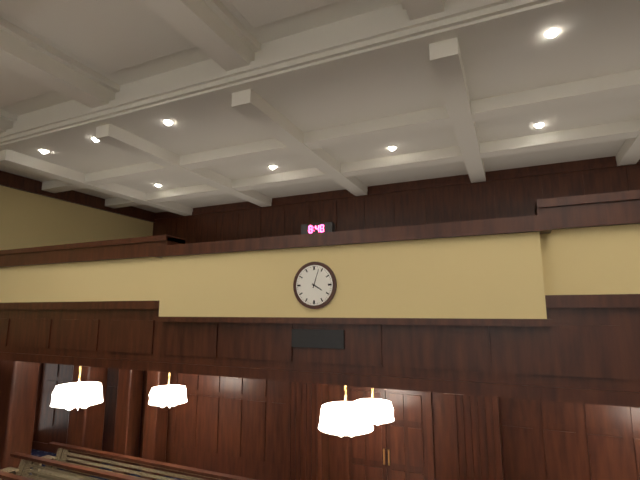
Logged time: 4 h 03 min
